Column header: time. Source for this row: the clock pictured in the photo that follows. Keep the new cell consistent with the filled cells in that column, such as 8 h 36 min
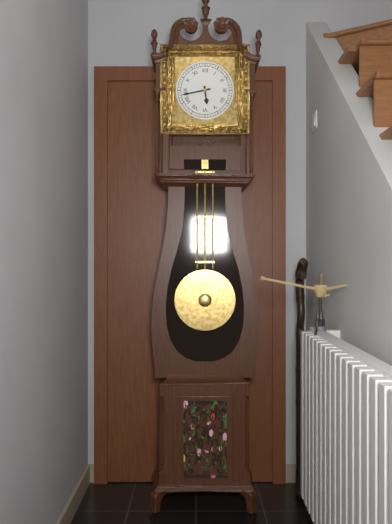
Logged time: 5 h 43 min
